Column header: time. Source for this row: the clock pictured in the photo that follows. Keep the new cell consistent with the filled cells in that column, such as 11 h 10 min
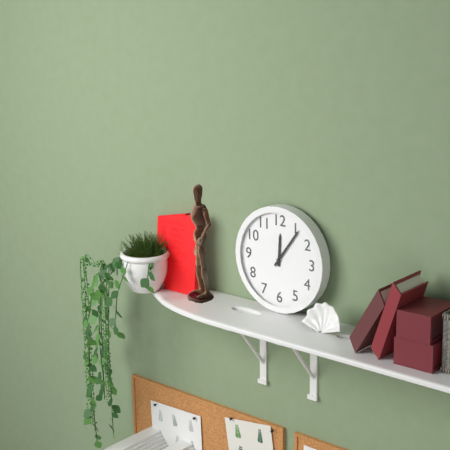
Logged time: 12 h 06 min
